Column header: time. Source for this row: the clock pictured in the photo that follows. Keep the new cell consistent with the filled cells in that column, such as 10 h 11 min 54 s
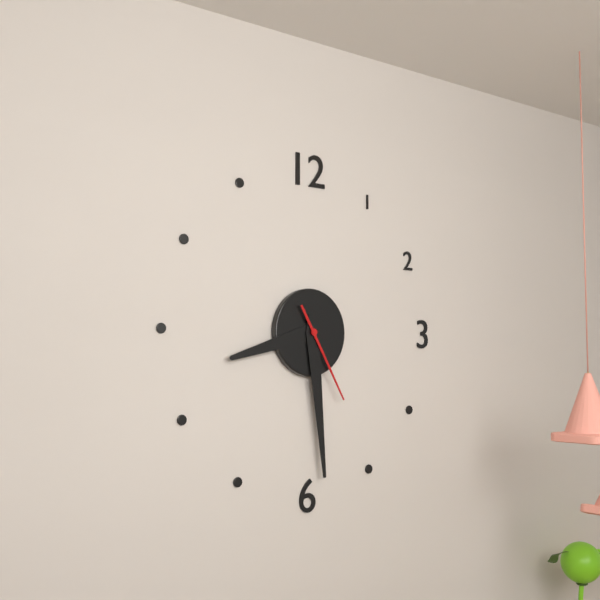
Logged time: 8 h 29 min 25 s
